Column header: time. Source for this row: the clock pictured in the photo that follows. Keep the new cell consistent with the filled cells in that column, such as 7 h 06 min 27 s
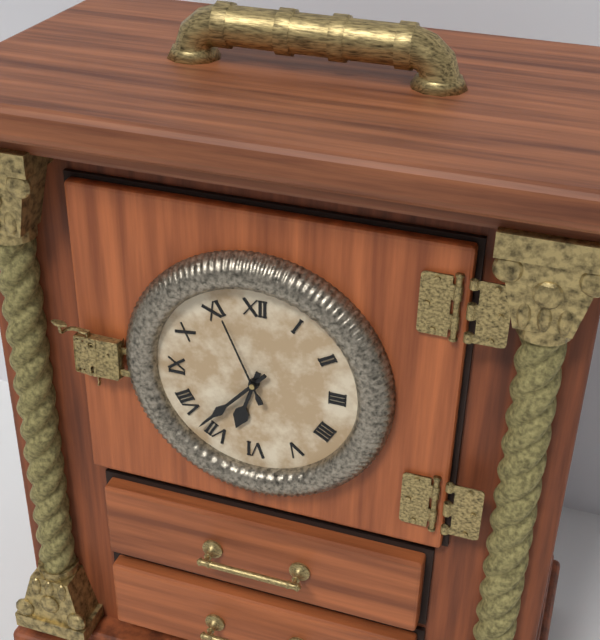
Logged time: 6 h 37 min 56 s
